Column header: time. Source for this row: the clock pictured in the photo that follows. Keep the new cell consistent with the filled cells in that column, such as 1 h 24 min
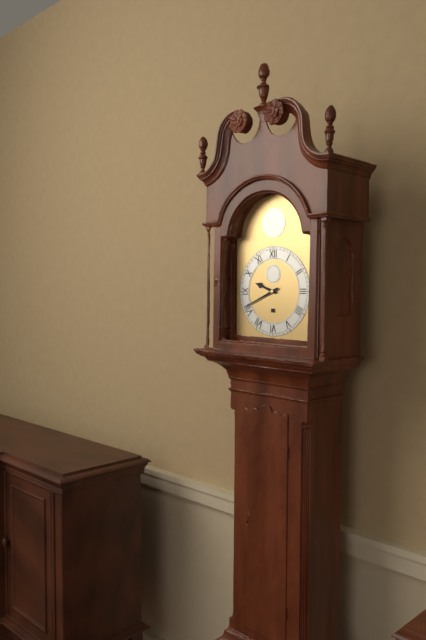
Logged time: 9 h 41 min
